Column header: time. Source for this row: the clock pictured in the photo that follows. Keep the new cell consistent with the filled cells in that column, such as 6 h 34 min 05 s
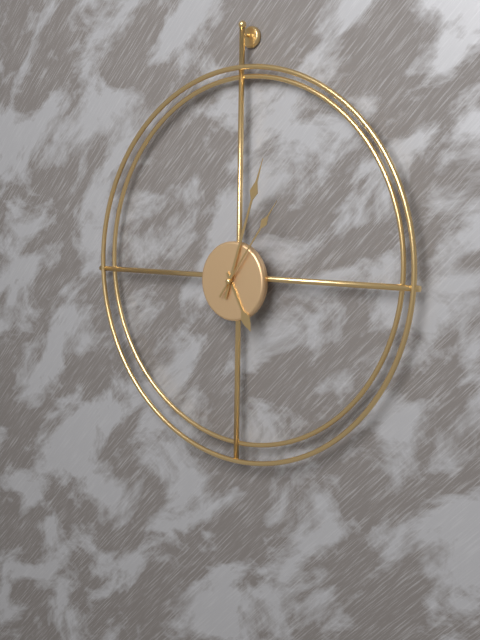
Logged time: 5 h 03 min 06 s
